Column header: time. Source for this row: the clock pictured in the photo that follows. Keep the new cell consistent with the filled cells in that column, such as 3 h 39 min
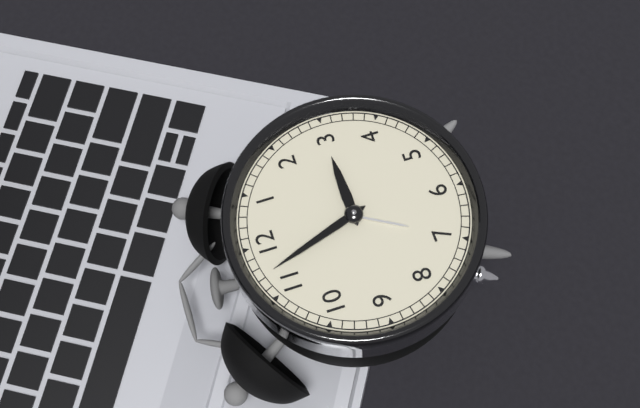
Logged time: 2 h 57 min
